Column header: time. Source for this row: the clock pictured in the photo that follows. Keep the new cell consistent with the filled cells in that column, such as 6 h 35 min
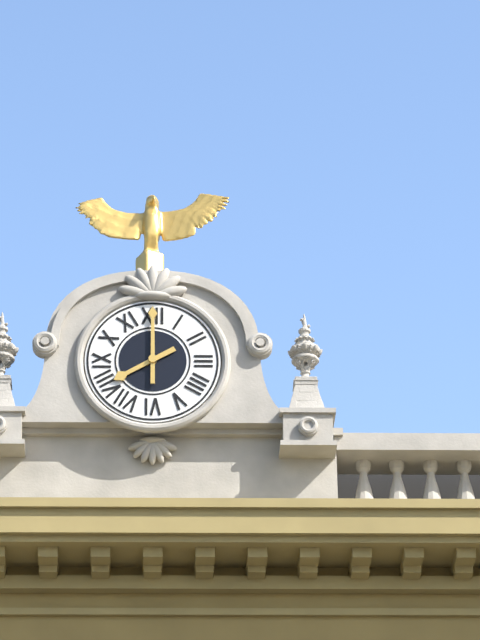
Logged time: 8 h 00 min
